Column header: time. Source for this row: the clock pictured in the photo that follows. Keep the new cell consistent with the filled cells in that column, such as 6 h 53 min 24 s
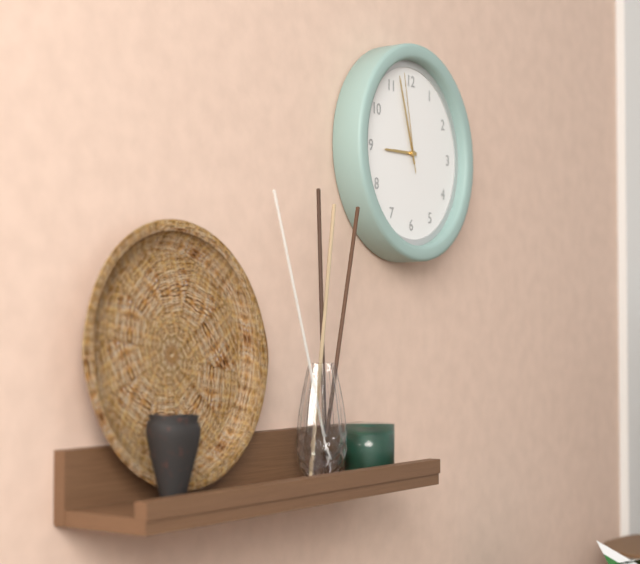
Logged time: 8 h 57 min 58 s
